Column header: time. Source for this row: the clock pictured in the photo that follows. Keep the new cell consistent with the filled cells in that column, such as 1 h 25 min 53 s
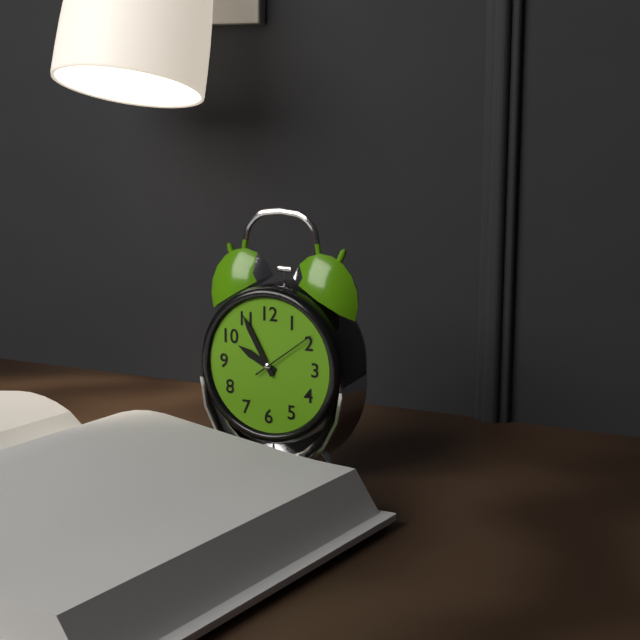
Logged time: 9 h 55 min 09 s
